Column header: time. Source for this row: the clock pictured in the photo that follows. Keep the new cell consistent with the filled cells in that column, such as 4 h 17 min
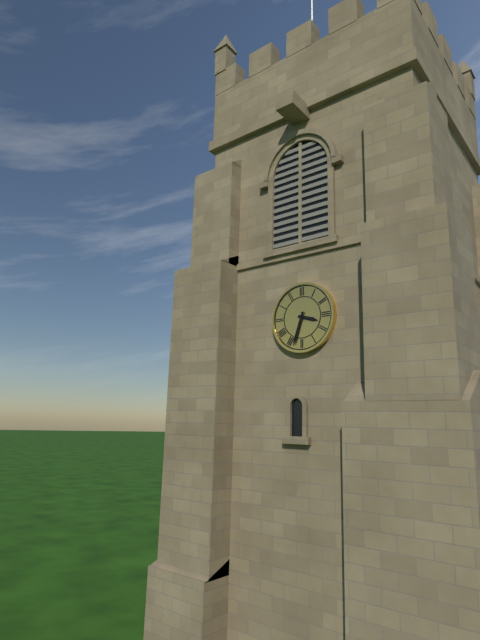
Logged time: 3 h 33 min
